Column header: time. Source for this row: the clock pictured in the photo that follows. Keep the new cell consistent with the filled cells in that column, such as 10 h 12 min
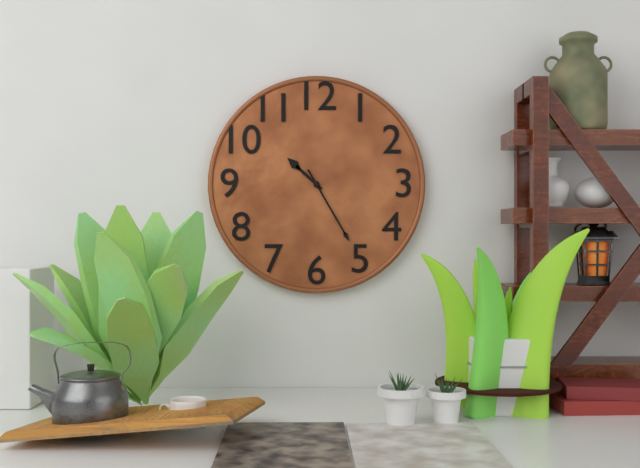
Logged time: 10 h 25 min
